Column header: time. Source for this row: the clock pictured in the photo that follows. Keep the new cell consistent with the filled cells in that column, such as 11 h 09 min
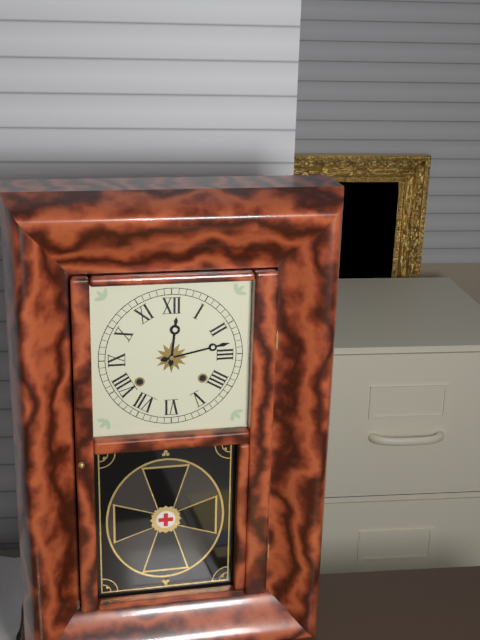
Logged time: 12 h 13 min
